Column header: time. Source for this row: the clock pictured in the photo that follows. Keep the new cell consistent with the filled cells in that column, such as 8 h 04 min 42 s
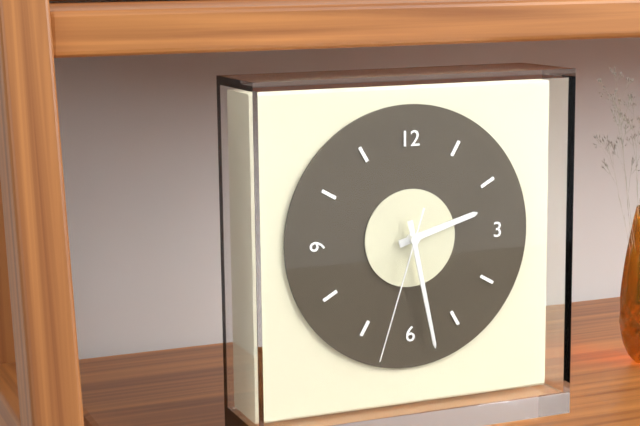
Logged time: 2 h 28 min 33 s
